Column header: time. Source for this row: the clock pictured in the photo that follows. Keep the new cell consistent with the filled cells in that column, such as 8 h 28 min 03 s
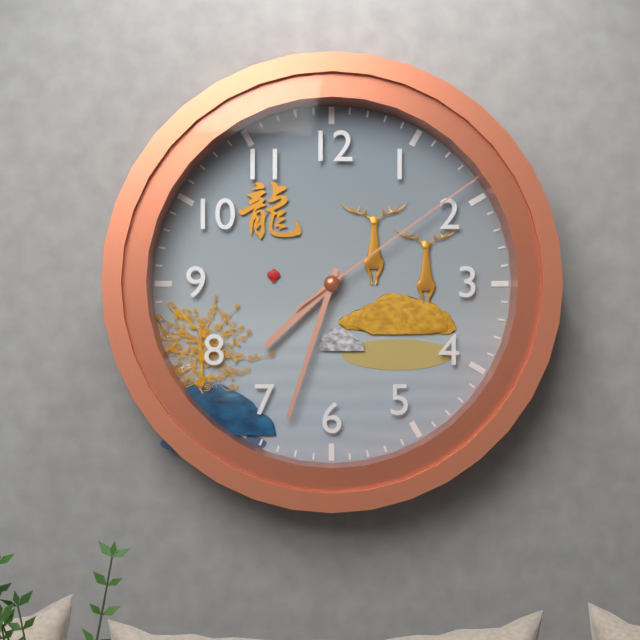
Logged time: 7 h 33 min 09 s
